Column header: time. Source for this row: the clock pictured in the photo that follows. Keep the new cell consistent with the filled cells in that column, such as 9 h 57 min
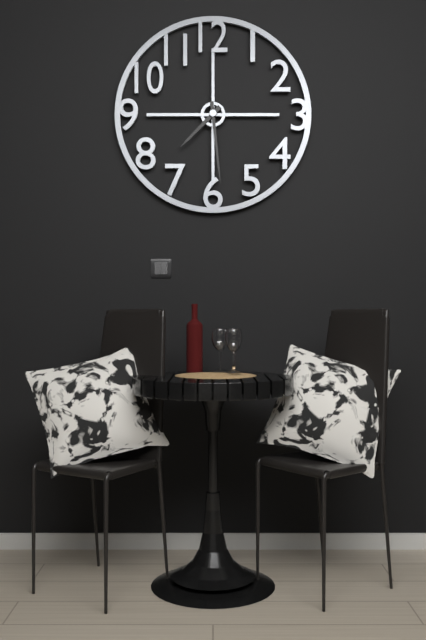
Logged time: 7 h 29 min
